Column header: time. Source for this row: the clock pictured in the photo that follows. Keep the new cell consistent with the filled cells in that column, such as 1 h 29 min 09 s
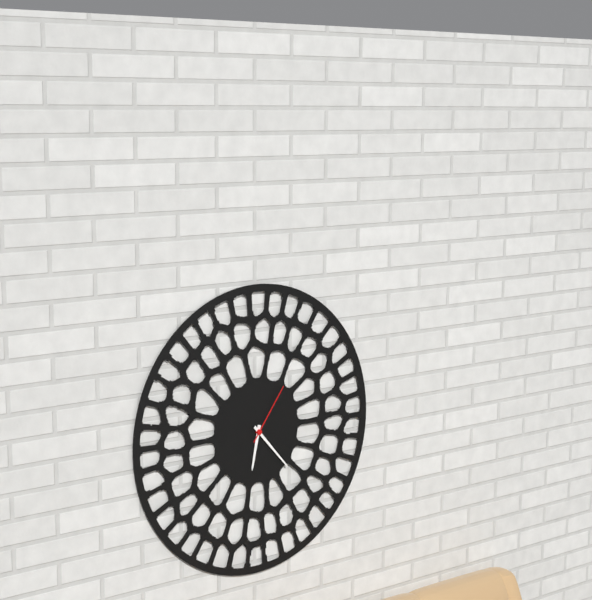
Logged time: 6 h 23 min 06 s
